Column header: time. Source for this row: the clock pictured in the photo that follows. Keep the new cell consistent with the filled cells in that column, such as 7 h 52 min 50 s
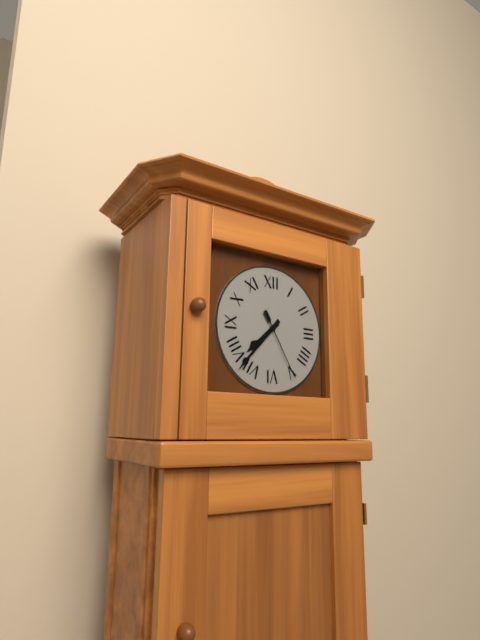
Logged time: 7 h 37 min 25 s
